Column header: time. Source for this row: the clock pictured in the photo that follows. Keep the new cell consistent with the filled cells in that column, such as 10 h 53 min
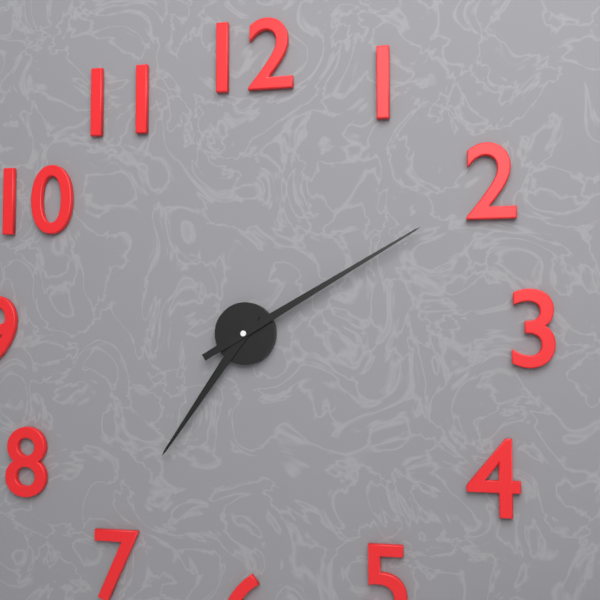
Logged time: 7 h 10 min
